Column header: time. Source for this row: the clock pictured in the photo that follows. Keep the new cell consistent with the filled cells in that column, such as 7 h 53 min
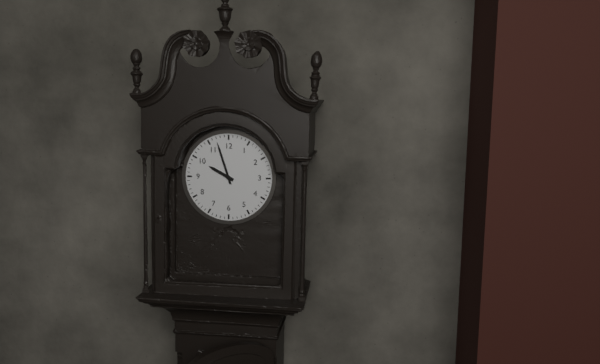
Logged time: 9 h 57 min
